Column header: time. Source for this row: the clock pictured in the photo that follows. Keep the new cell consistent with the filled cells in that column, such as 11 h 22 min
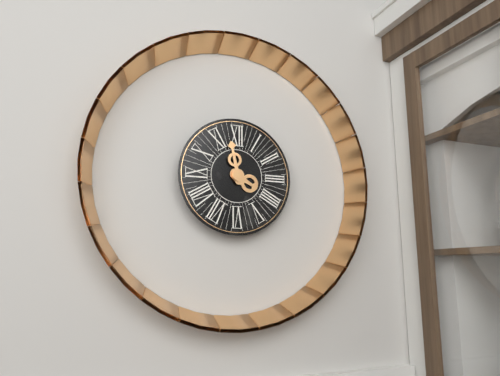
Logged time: 3 h 58 min
